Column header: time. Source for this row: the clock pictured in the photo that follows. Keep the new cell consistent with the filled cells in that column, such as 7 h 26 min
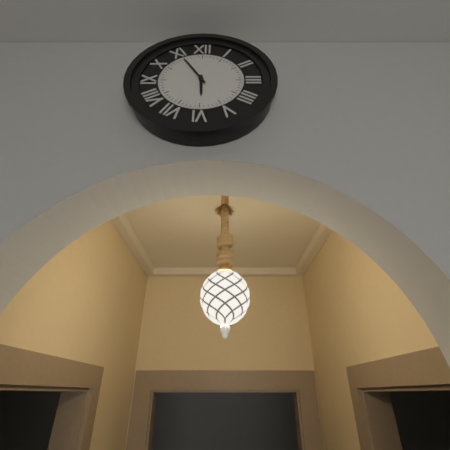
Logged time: 5 h 55 min
